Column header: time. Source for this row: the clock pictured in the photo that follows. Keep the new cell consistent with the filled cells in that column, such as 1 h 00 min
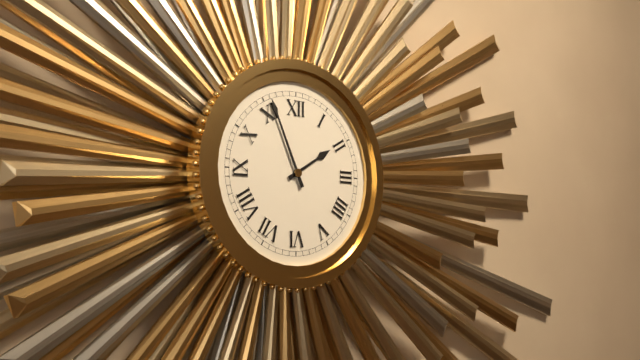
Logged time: 1 h 56 min
